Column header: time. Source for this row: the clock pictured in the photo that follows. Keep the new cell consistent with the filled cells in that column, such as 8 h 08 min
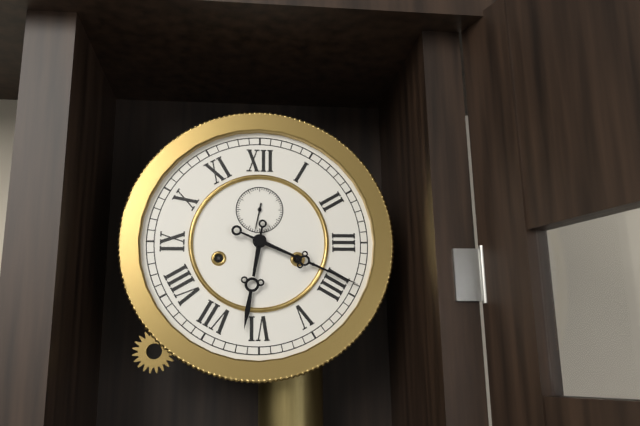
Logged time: 6 h 19 min
